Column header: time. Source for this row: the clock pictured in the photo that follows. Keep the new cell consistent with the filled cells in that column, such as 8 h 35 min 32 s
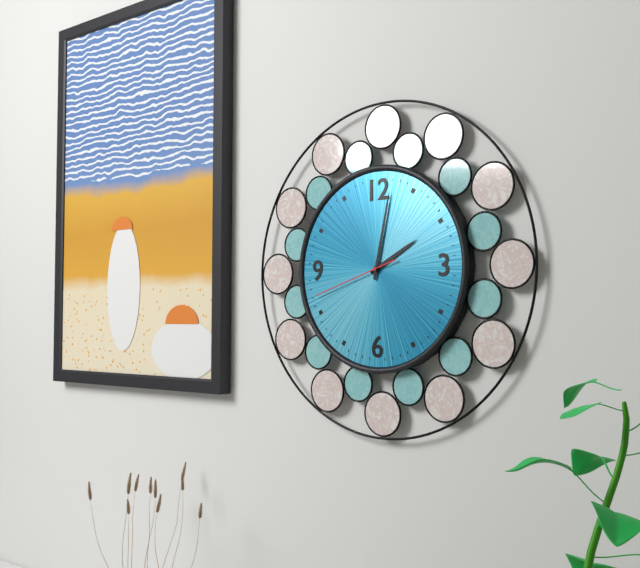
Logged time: 2 h 02 min 42 s
